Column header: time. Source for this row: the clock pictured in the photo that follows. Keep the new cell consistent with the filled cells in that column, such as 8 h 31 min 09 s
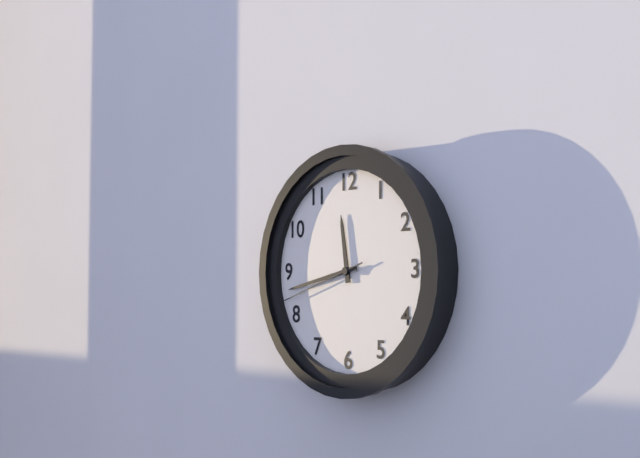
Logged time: 11 h 43 min 42 s
